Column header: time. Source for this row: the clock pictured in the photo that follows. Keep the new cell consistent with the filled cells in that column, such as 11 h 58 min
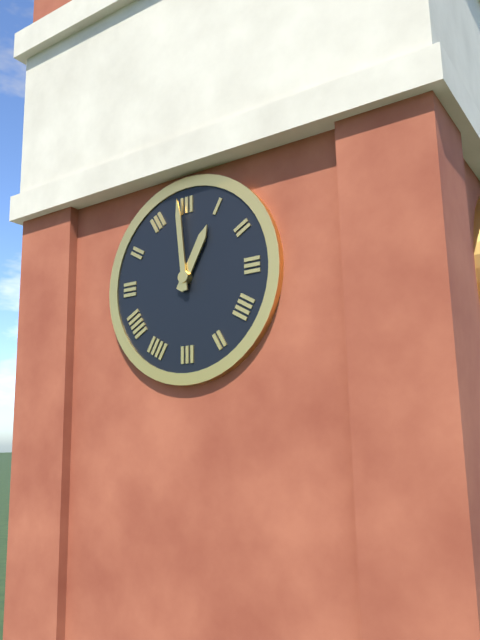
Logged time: 12 h 59 min
